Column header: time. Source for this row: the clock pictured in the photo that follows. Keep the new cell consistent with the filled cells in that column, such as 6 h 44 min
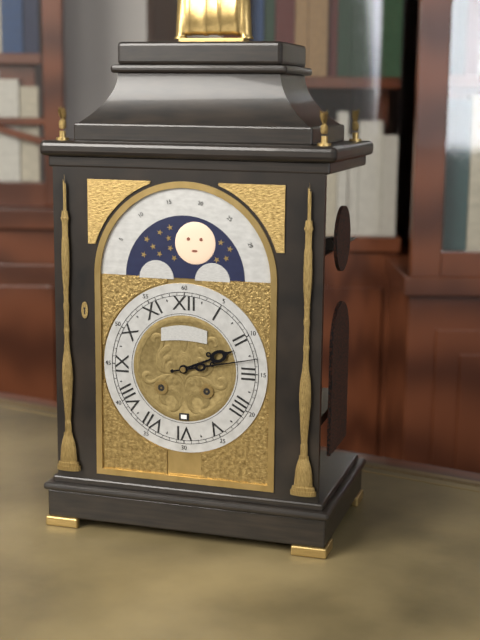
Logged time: 2 h 13 min
